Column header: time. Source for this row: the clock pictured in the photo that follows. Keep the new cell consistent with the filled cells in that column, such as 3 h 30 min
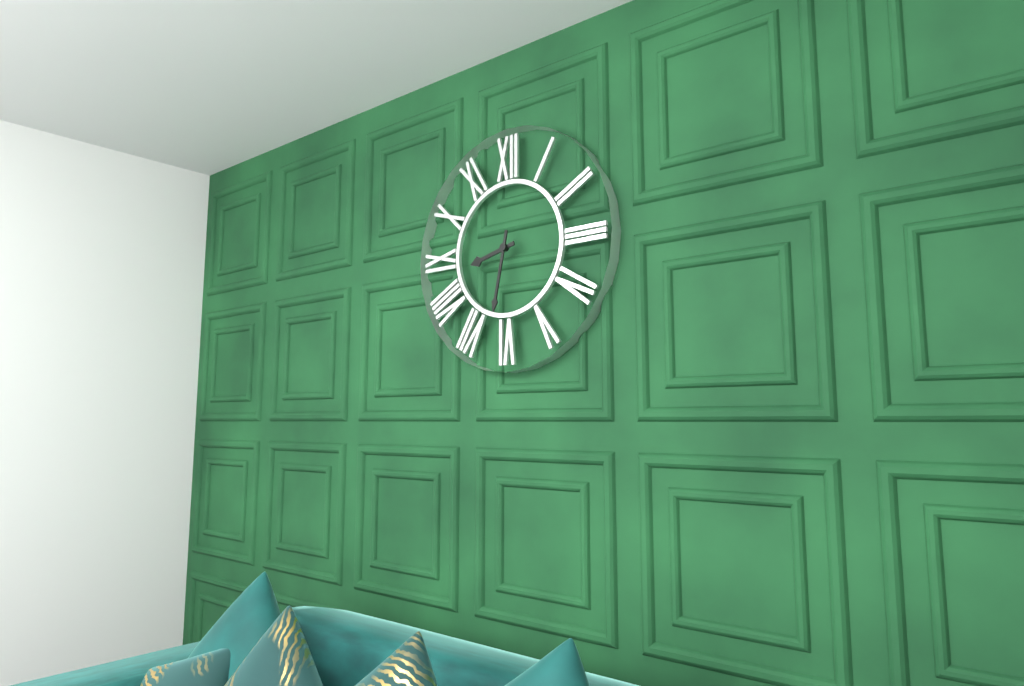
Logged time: 8 h 32 min
